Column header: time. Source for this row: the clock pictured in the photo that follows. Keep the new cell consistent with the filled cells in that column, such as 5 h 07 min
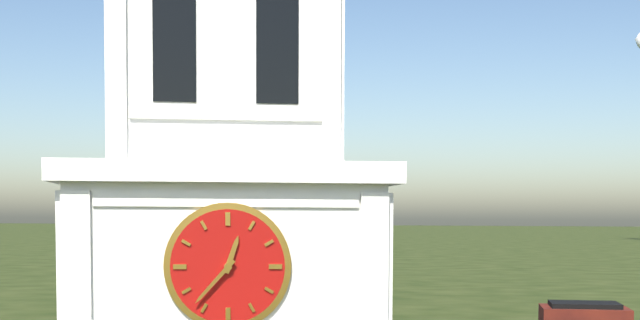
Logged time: 12 h 37 min
